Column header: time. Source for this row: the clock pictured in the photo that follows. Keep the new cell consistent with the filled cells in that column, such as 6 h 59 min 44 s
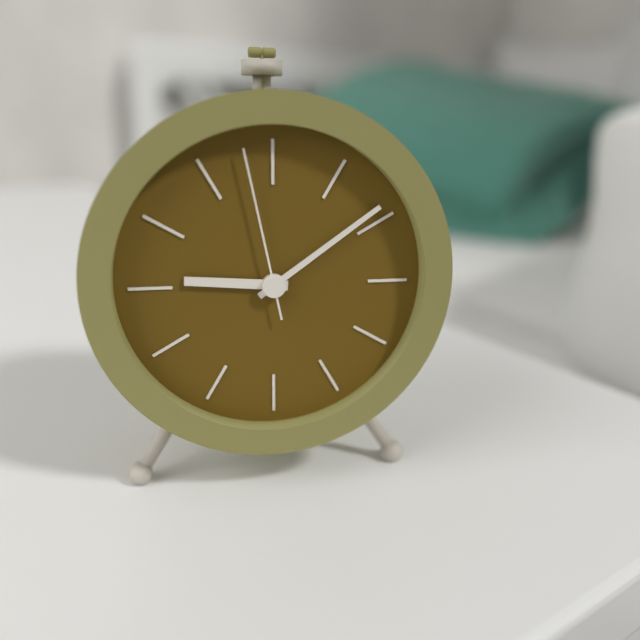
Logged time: 9 h 09 min 58 s
